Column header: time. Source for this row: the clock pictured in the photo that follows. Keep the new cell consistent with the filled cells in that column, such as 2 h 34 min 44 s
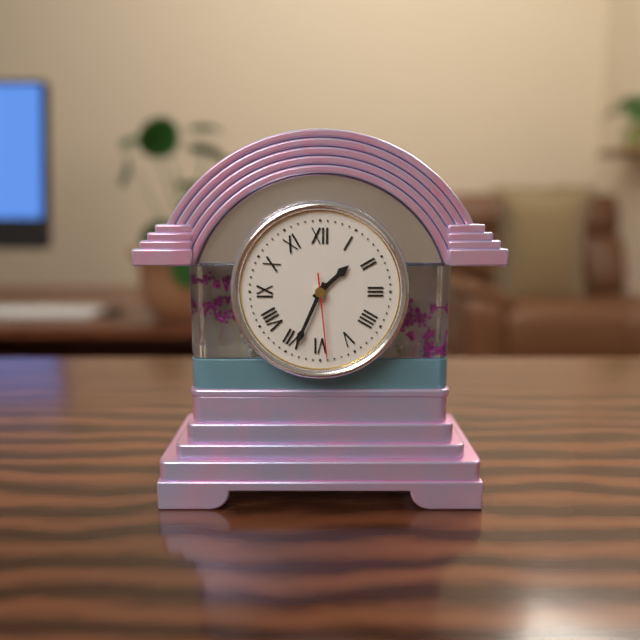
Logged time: 1 h 34 min 29 s
